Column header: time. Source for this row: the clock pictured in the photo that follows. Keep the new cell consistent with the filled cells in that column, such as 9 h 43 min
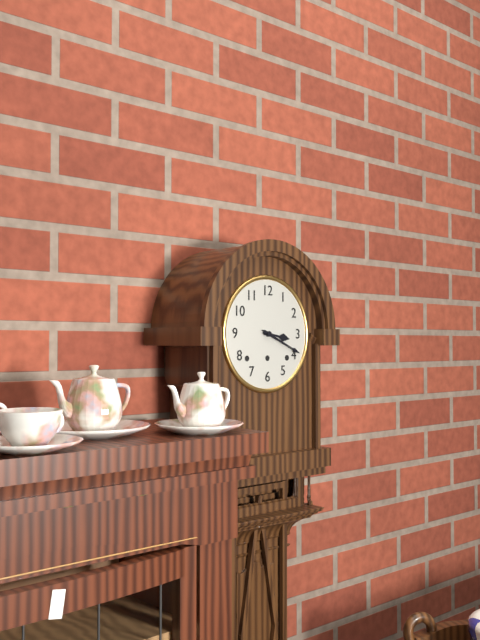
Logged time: 3 h 19 min
